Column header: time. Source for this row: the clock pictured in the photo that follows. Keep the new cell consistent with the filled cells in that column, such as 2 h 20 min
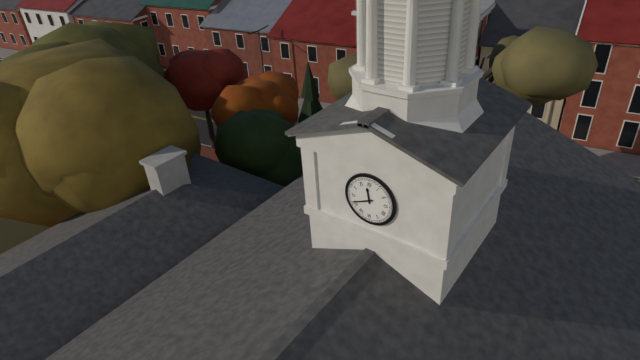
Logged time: 11 h 41 min
